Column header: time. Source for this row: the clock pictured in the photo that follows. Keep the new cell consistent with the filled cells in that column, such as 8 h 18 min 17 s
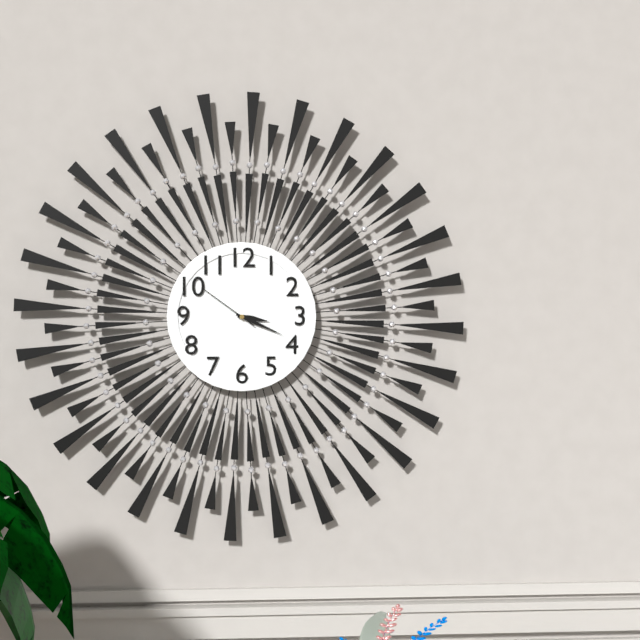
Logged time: 3 h 19 min 51 s
